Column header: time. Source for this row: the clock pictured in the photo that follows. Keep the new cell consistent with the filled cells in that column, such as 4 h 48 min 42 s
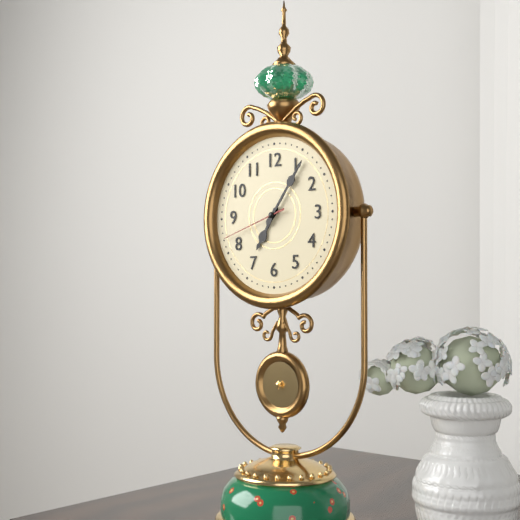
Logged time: 7 h 06 min 42 s
